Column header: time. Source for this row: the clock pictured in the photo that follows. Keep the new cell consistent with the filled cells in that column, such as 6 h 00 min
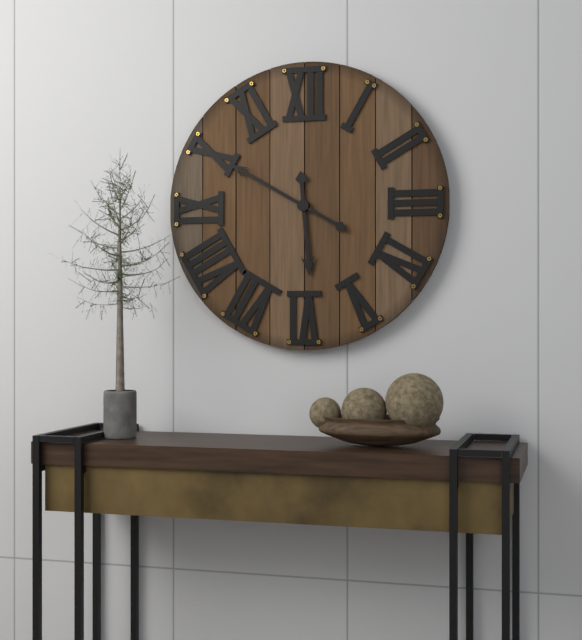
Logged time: 5 h 50 min
